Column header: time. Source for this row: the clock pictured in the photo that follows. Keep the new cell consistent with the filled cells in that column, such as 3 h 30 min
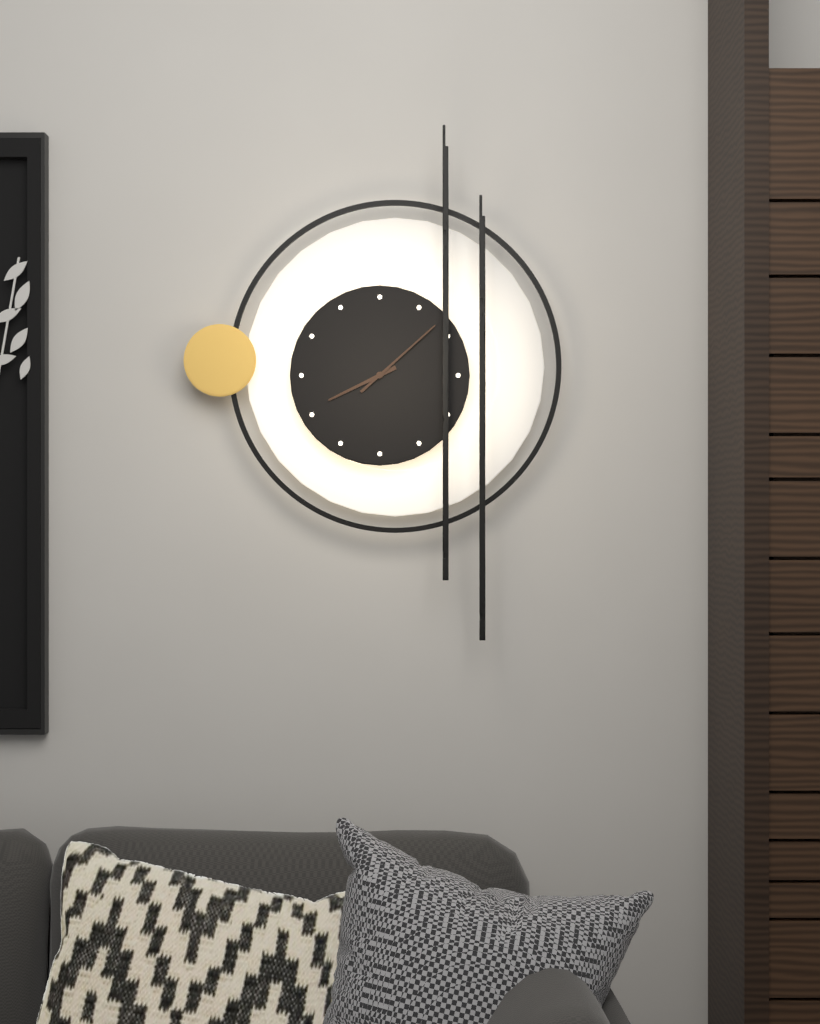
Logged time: 8 h 08 min
